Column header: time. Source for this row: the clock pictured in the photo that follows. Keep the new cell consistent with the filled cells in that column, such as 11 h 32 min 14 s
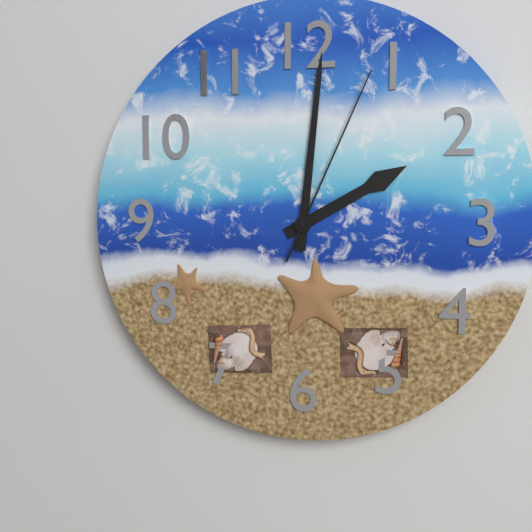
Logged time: 2 h 01 min 04 s
